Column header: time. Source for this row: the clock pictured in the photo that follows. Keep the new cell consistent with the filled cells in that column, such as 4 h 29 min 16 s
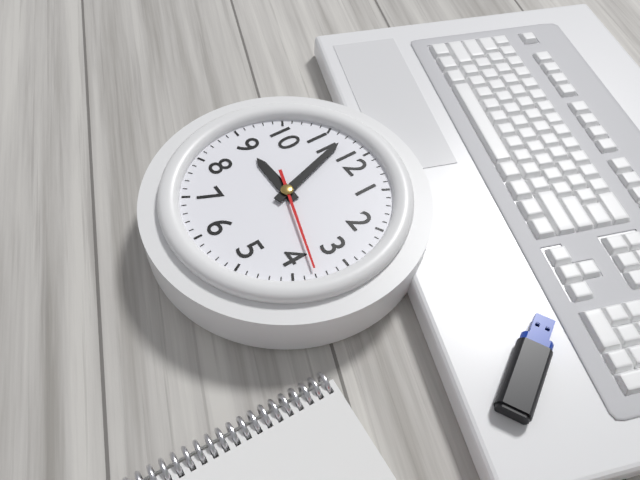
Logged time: 8 h 57 min 18 s
